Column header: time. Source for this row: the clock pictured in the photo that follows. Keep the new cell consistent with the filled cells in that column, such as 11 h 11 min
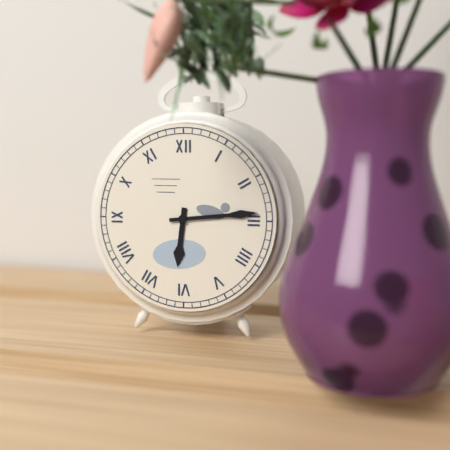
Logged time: 6 h 14 min
